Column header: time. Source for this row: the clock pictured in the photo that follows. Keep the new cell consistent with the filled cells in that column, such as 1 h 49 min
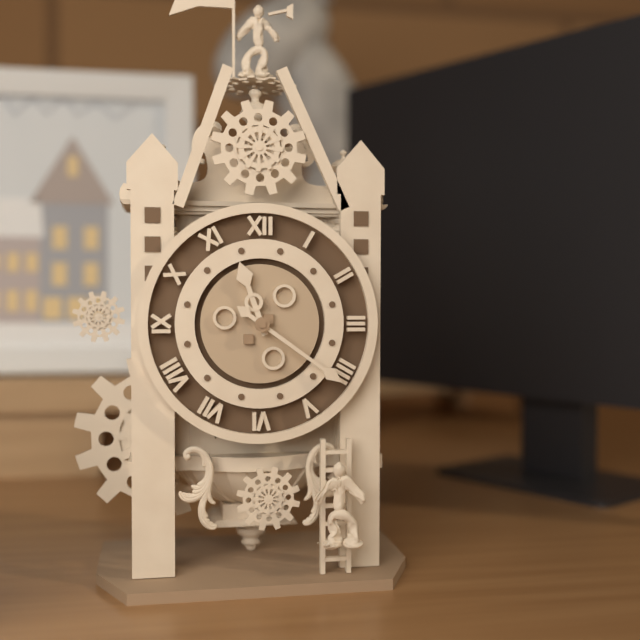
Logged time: 11 h 21 min
